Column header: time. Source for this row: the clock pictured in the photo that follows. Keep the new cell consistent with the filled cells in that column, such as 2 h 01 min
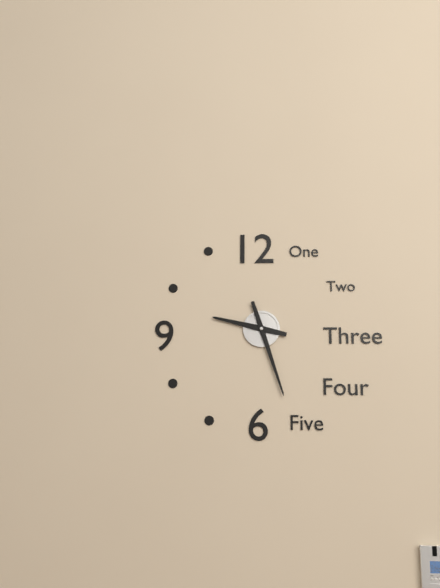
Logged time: 9 h 27 min
